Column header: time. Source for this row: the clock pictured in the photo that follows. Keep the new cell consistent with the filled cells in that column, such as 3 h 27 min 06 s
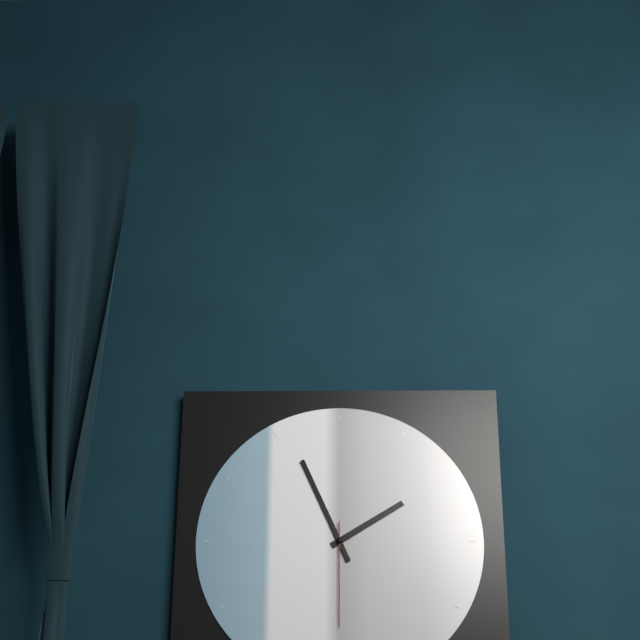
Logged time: 1 h 56 min 30 s
